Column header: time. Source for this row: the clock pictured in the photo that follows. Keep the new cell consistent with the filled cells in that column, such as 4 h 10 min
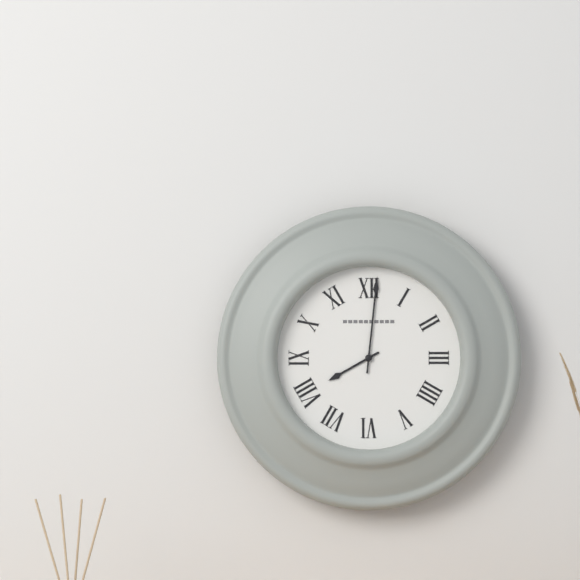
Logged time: 8 h 01 min
